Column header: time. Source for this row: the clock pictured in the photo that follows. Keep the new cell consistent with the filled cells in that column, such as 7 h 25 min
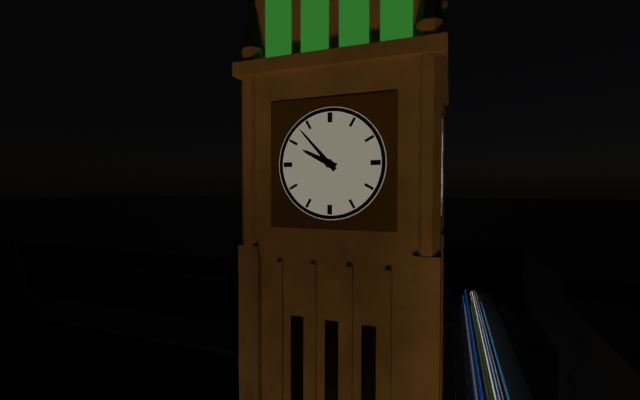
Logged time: 9 h 53 min
